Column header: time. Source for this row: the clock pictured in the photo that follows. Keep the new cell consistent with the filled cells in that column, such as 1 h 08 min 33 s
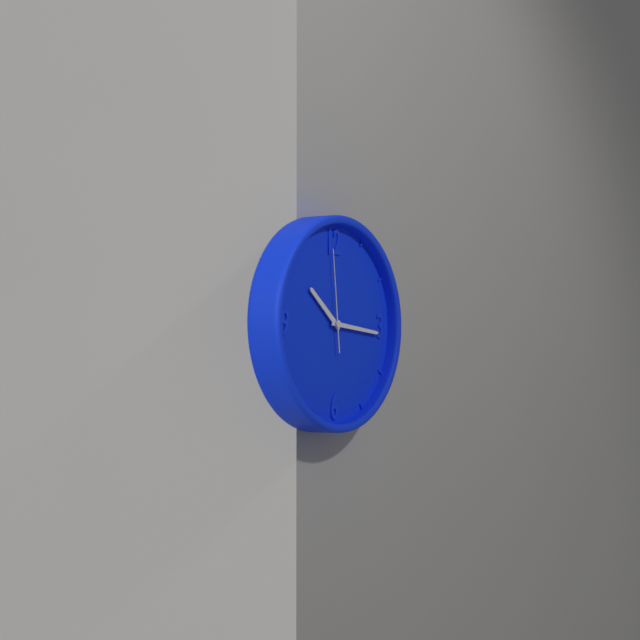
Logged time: 10 h 16 min 59 s
